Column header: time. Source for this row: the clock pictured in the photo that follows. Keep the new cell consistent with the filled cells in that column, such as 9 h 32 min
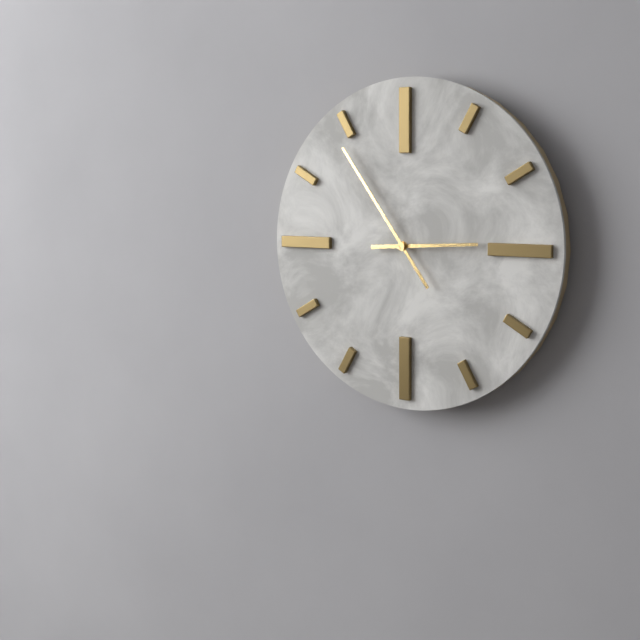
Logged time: 2 h 54 min
